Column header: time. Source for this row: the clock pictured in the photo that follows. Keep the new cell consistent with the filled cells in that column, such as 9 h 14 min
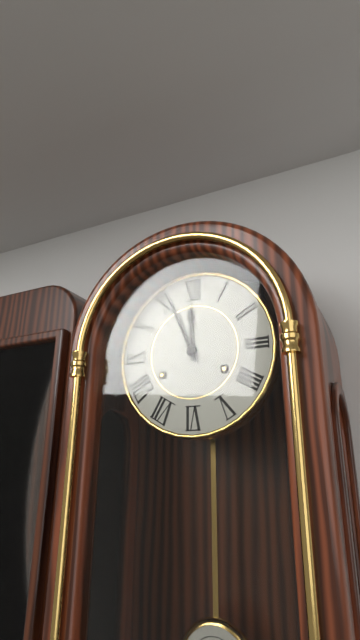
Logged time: 11 h 56 min
